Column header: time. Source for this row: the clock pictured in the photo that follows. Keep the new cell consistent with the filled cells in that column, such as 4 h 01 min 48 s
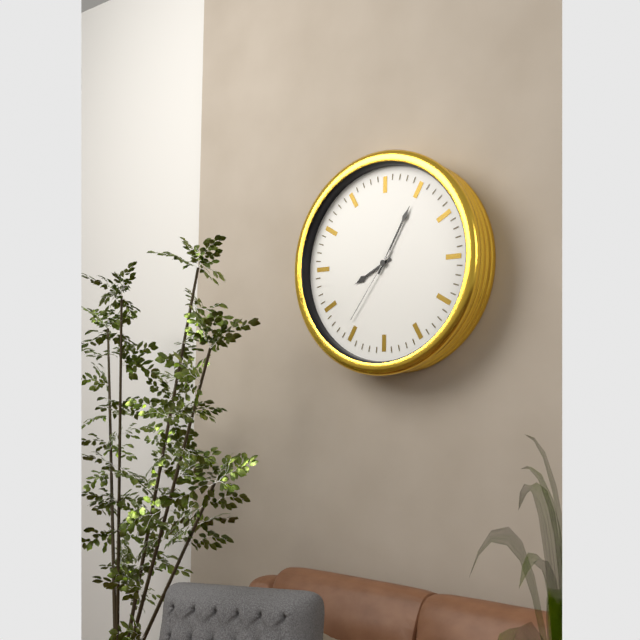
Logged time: 8 h 05 min 36 s
